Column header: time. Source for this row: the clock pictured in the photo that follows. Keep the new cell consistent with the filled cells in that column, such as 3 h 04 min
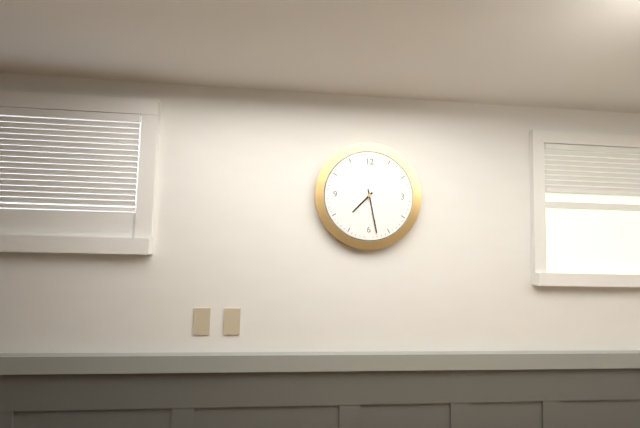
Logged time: 7 h 28 min
